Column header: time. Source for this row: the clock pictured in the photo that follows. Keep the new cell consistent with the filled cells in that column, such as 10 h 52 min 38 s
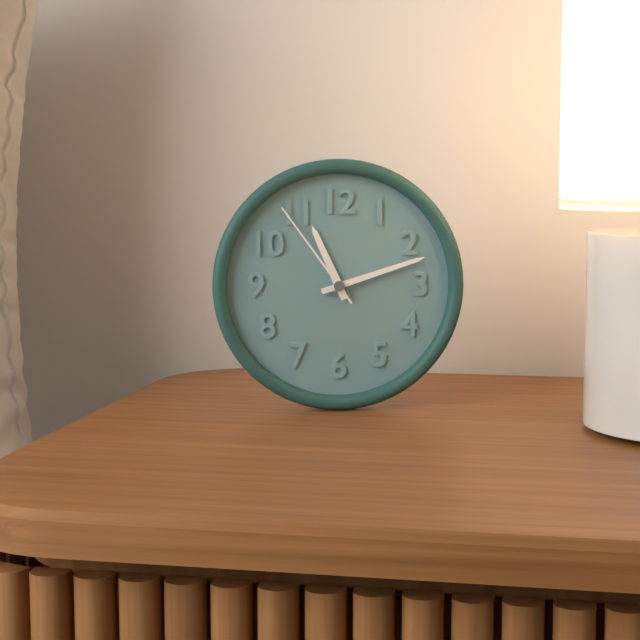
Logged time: 11 h 12 min 54 s
